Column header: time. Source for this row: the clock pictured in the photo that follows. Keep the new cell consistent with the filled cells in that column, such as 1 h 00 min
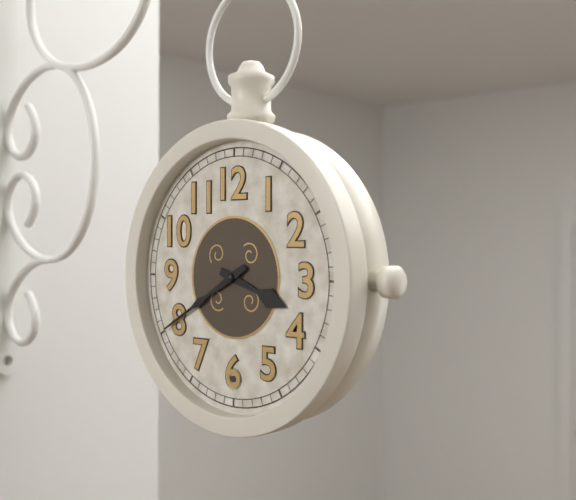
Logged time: 3 h 40 min
